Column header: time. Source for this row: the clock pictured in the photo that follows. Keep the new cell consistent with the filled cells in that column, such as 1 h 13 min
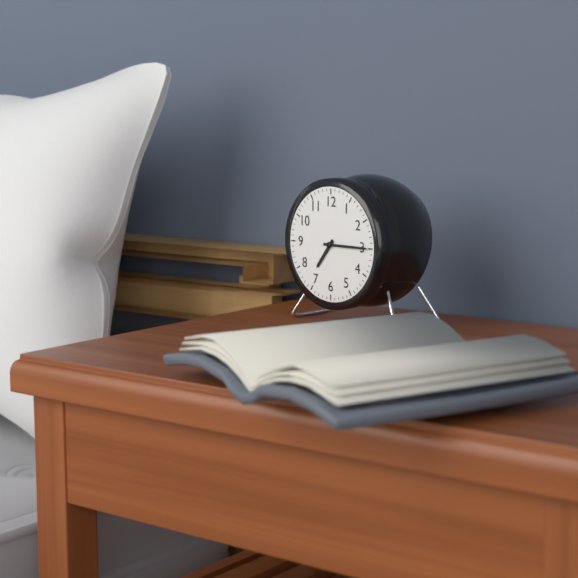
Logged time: 7 h 15 min
